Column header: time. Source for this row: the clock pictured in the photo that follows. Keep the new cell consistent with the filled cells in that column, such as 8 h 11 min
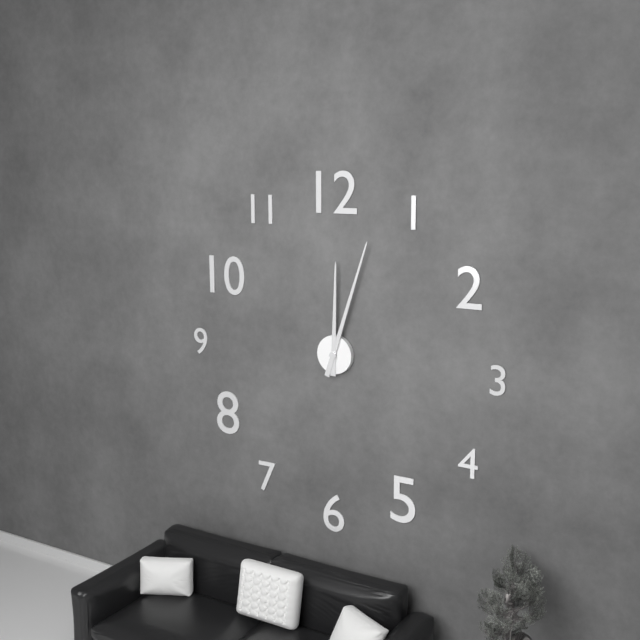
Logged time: 12 h 03 min
